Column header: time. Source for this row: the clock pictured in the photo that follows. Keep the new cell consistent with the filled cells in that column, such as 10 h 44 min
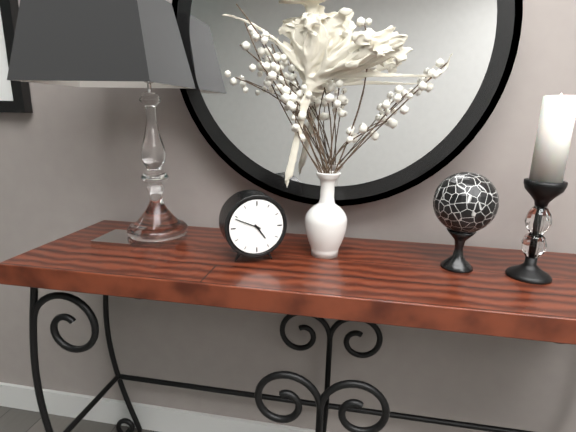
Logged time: 4 h 49 min
